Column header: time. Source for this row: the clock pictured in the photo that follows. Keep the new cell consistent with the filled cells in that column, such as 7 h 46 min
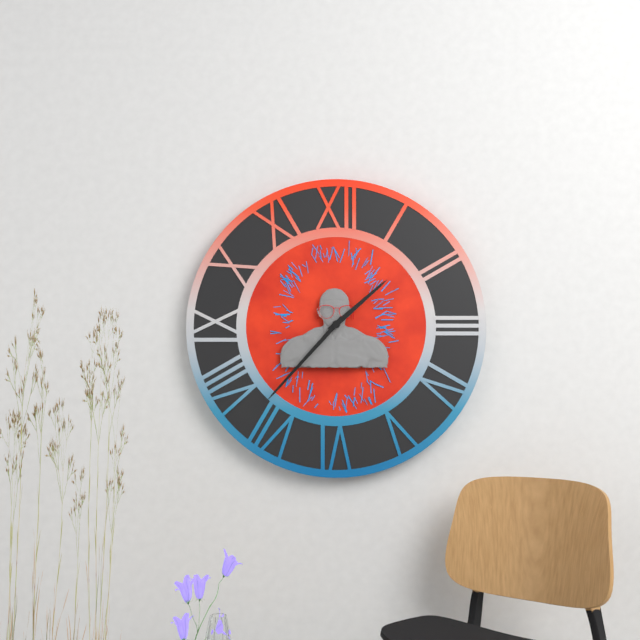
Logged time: 1 h 37 min
